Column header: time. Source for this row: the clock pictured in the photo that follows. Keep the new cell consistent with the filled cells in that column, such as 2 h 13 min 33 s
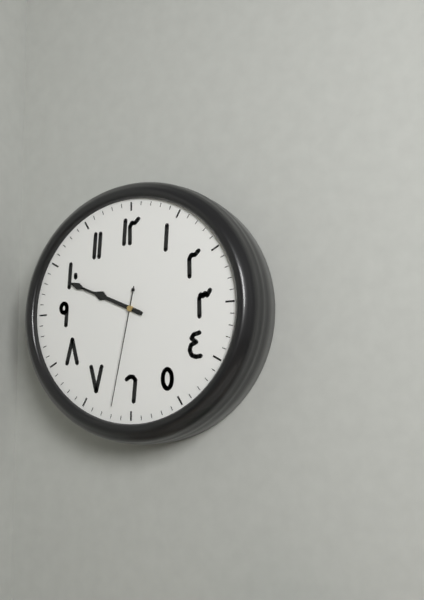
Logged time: 9 h 49 min 32 s
